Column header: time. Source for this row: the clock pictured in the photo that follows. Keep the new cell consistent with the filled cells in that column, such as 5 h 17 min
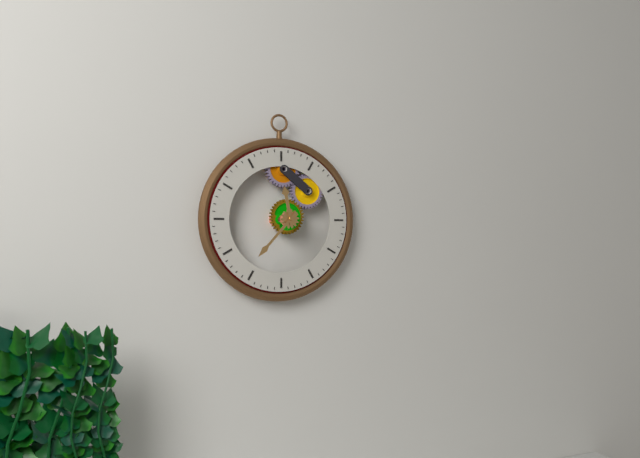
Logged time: 11 h 37 min
